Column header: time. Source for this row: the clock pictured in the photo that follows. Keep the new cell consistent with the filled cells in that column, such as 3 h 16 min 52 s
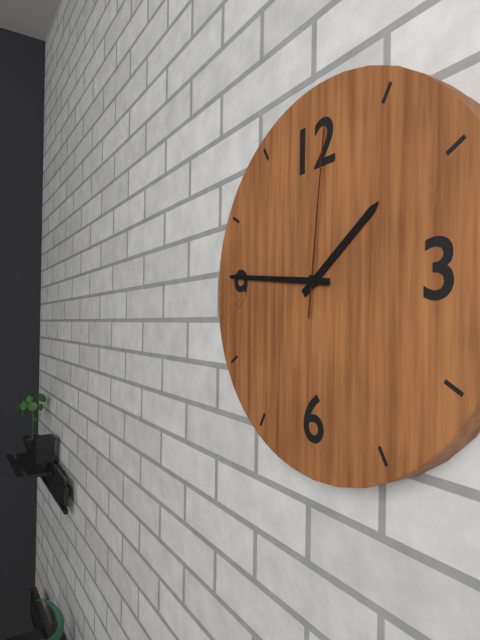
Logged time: 1 h 46 min 01 s
